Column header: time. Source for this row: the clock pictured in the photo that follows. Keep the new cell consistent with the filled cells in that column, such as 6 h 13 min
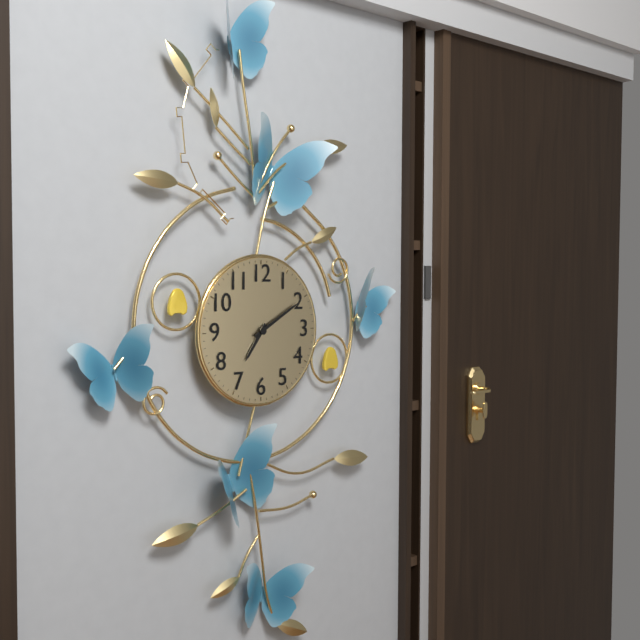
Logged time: 7 h 10 min
